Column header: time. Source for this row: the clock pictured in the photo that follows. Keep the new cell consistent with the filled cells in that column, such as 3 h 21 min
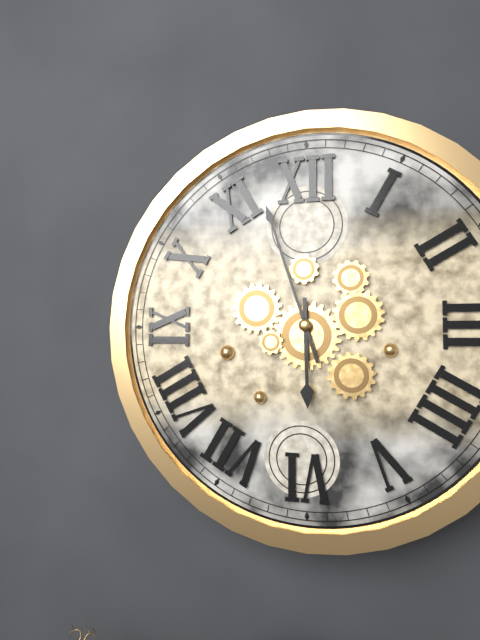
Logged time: 5 h 57 min
